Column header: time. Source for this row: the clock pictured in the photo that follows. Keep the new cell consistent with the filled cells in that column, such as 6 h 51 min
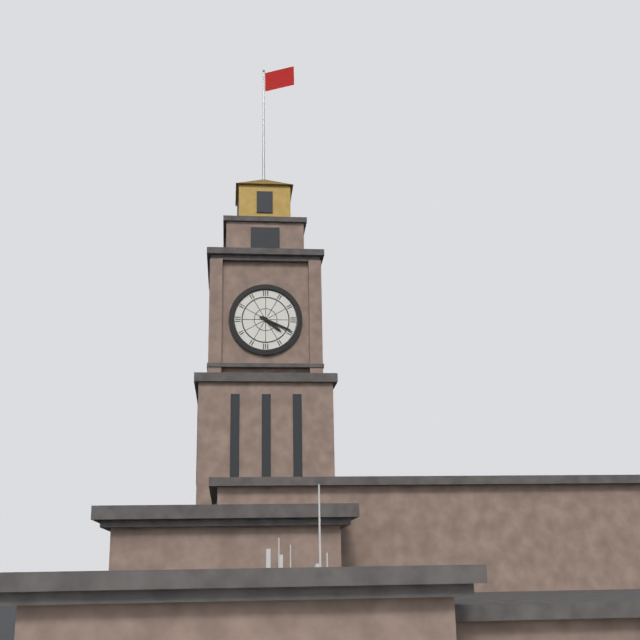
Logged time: 4 h 19 min
